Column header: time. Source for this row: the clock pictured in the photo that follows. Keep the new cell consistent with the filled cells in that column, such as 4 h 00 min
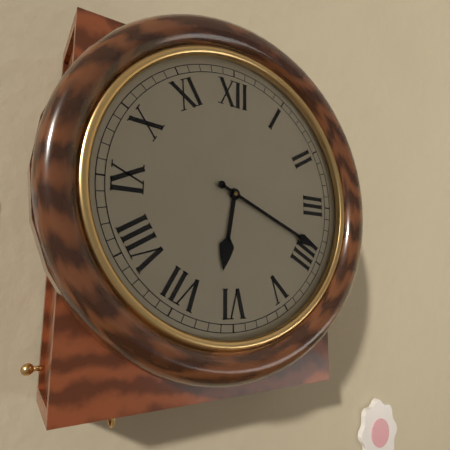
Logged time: 6 h 19 min
